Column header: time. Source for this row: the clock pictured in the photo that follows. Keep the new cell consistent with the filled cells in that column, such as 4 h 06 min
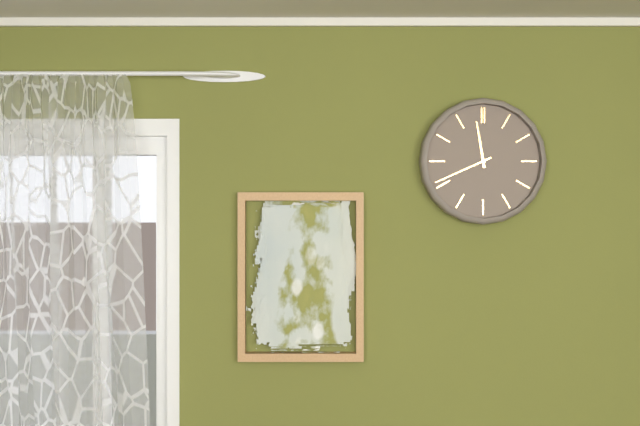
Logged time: 11 h 41 min
